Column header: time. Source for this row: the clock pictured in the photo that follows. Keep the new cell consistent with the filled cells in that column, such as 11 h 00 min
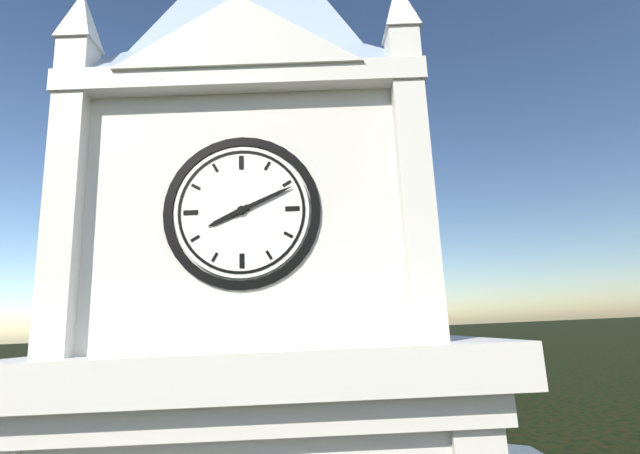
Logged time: 8 h 11 min
